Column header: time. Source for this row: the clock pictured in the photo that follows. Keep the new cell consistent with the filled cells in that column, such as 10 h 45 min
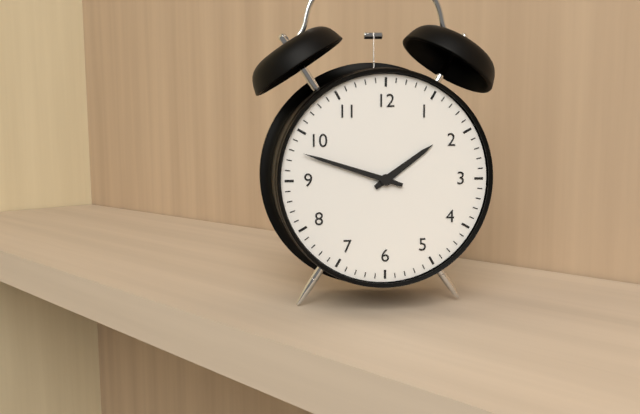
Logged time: 1 h 48 min
